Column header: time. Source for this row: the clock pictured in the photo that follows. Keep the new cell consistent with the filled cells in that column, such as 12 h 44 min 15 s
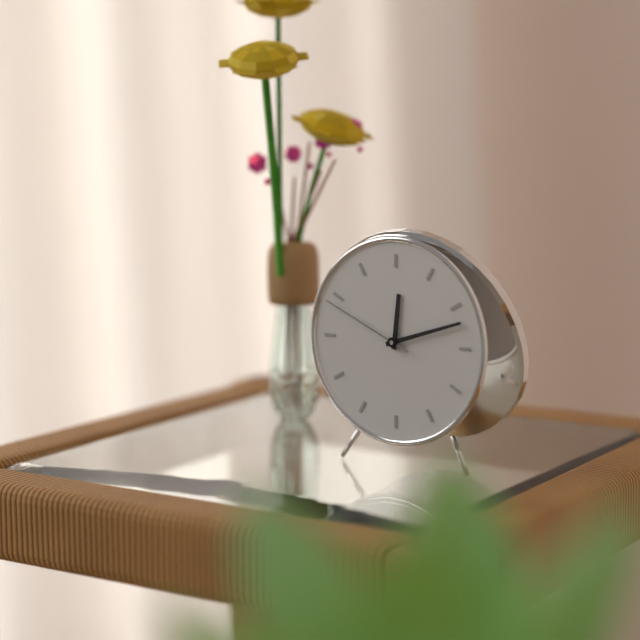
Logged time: 12 h 12 min 49 s
